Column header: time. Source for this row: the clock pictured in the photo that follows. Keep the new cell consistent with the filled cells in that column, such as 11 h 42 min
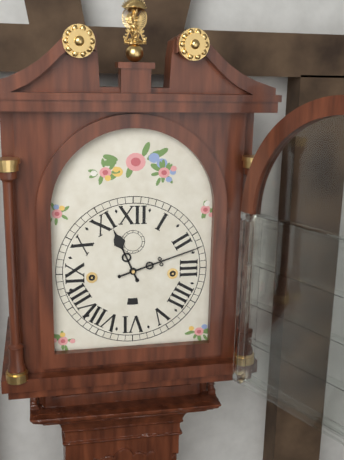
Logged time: 11 h 12 min
